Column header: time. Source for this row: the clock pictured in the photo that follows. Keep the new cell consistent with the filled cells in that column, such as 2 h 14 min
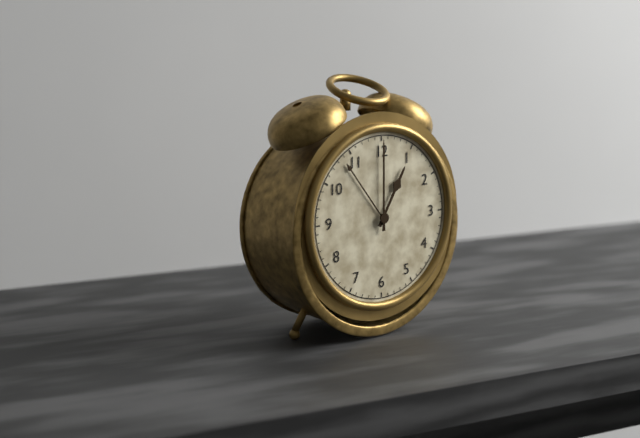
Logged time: 1 h 00 min
